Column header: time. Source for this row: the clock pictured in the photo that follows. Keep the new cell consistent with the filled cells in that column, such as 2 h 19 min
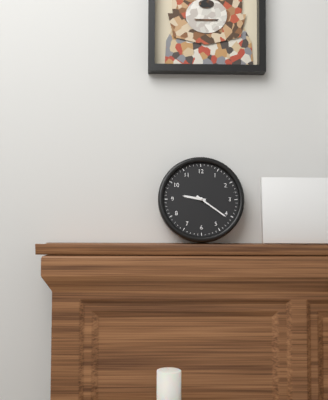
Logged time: 9 h 21 min
